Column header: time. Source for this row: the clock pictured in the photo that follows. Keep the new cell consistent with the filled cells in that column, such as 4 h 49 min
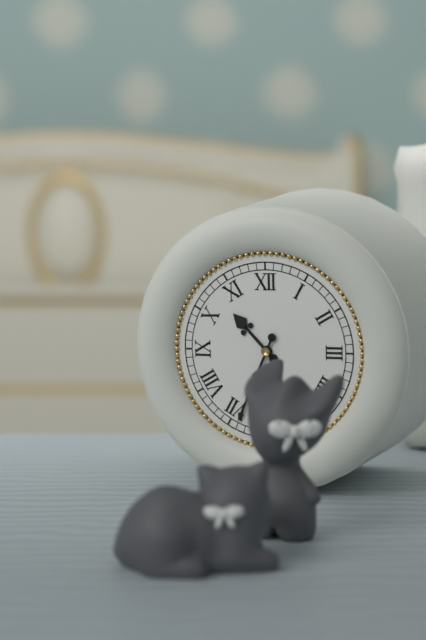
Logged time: 10 h 34 min
